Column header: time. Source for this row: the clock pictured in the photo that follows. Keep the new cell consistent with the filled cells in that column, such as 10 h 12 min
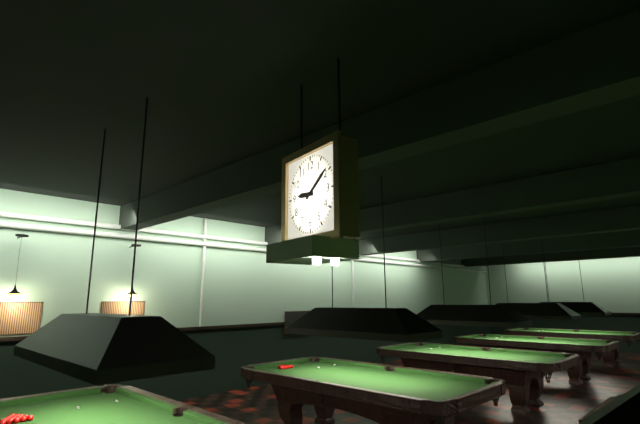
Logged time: 9 h 09 min
